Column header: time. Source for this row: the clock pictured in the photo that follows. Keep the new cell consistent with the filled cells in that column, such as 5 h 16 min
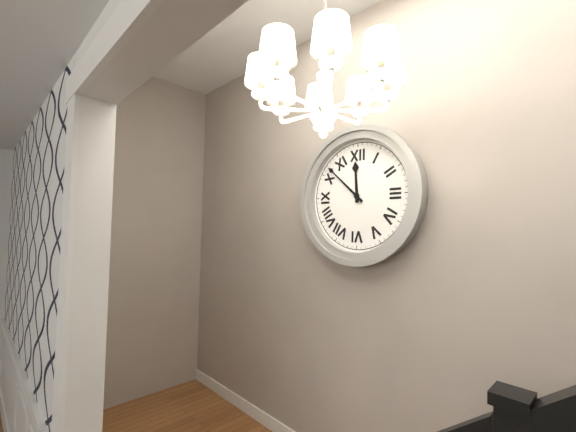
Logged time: 11 h 52 min
